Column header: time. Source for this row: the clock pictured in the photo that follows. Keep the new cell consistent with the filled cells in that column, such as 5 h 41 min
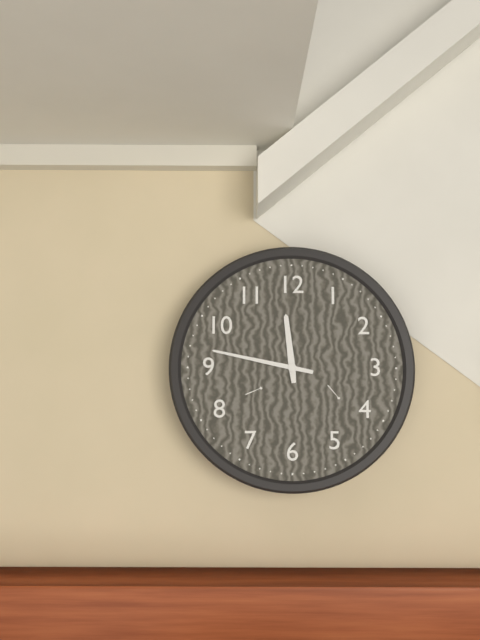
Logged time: 11 h 47 min
